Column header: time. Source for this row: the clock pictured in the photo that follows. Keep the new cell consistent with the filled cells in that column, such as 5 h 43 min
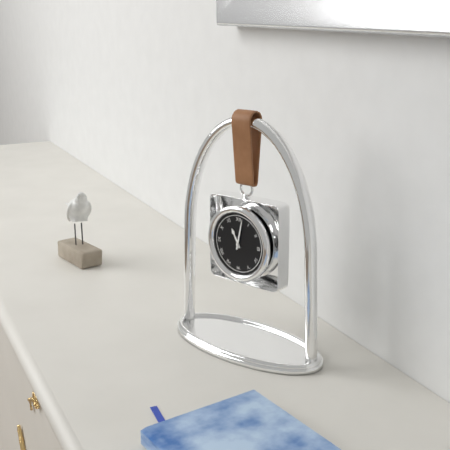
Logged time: 11 h 02 min
